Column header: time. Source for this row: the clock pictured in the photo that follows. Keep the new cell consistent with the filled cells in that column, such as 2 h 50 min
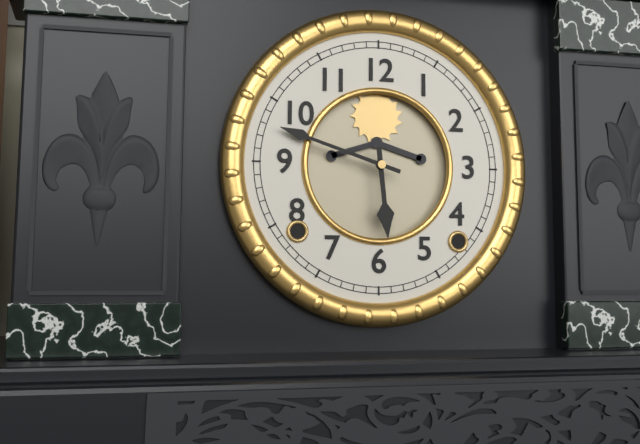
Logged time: 5 h 48 min
